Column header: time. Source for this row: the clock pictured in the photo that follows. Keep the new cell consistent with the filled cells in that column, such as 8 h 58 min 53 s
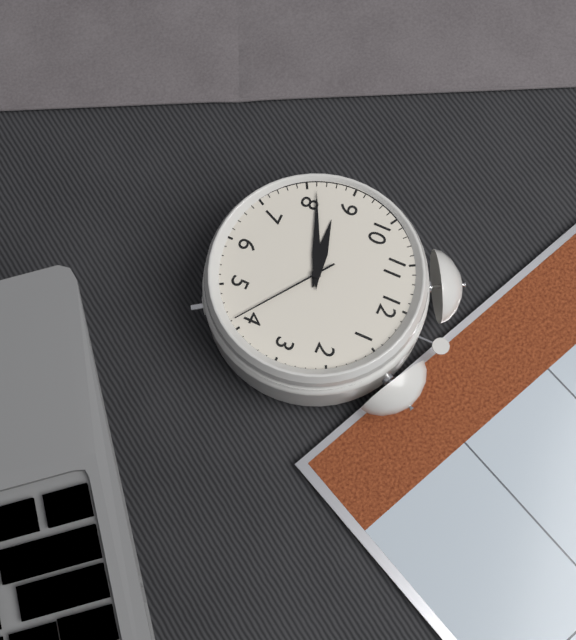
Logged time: 8 h 41 min 21 s
